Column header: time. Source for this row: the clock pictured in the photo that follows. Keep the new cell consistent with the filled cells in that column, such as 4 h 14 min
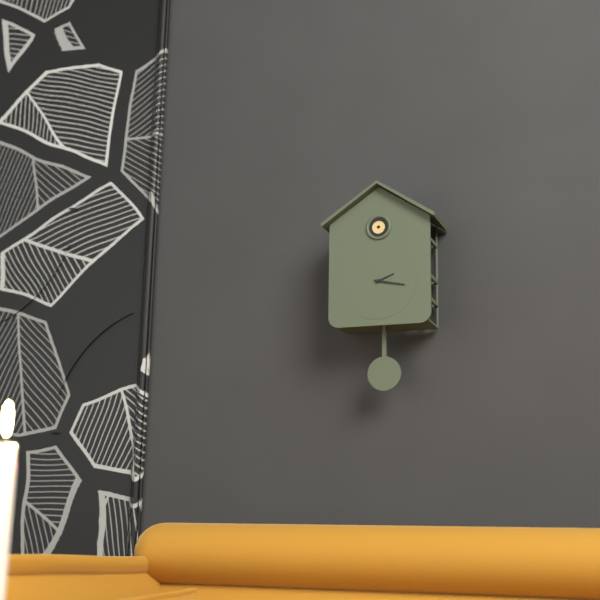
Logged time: 2 h 17 min
